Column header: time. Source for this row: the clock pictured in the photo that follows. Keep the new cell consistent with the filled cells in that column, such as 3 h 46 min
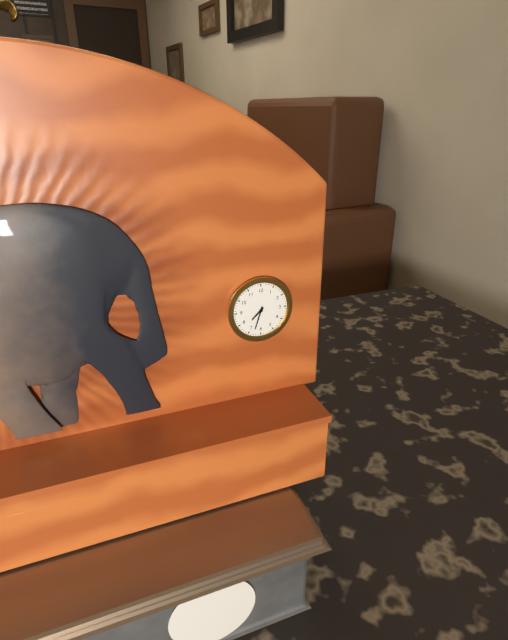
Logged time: 7 h 33 min
